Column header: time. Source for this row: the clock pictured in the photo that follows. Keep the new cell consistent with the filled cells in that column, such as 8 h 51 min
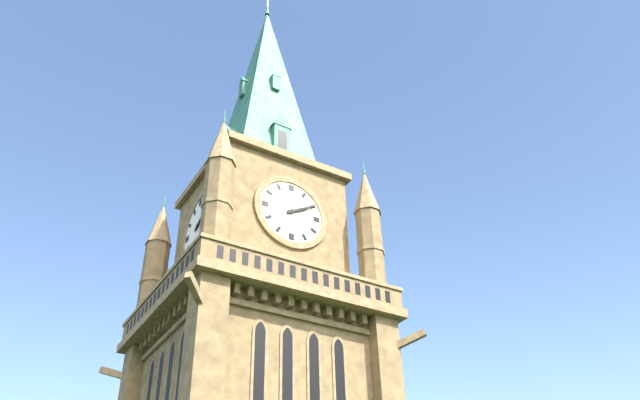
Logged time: 2 h 10 min
